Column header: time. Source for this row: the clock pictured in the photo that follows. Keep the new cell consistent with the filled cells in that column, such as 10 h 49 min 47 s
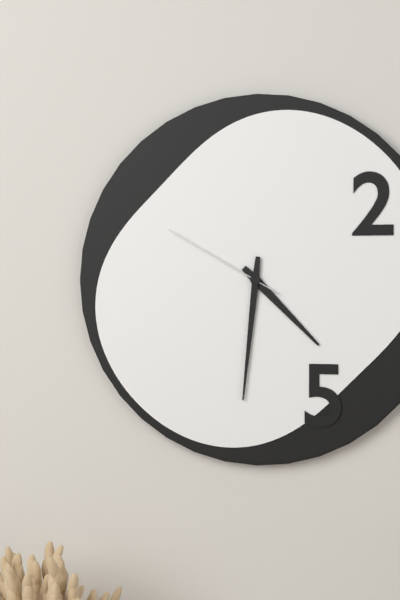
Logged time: 4 h 31 min 50 s
